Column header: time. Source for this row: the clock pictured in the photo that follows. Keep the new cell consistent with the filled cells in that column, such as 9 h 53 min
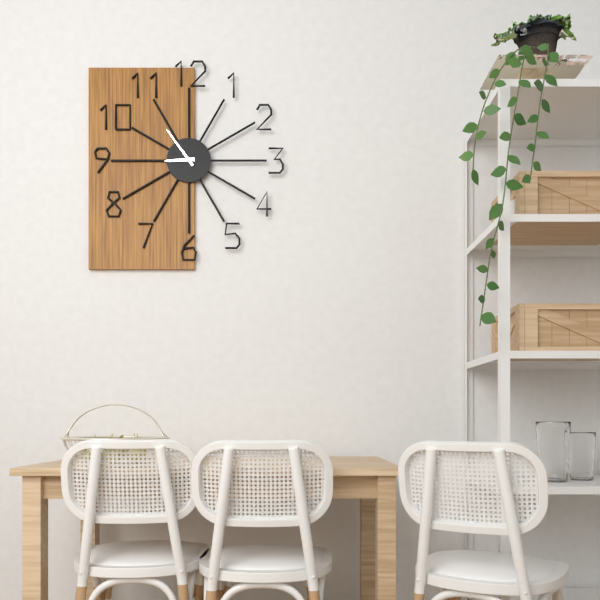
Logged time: 8 h 54 min
